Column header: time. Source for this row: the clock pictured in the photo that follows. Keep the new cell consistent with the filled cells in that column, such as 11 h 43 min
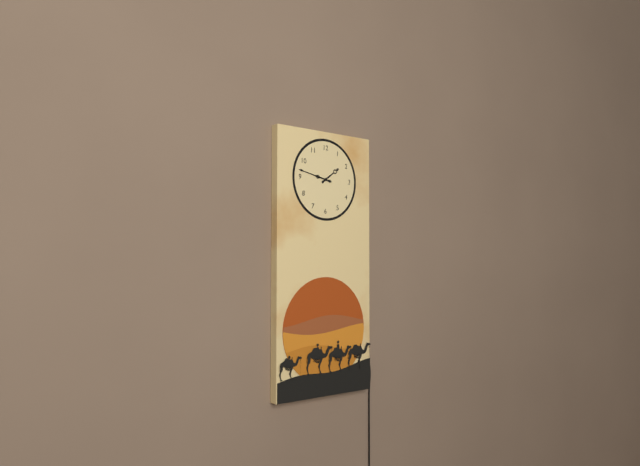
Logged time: 1 h 47 min
